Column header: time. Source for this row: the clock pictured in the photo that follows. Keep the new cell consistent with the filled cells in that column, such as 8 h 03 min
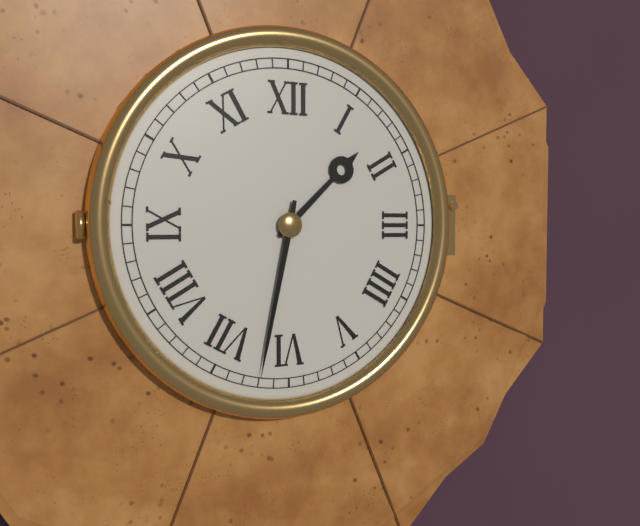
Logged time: 1 h 32 min
